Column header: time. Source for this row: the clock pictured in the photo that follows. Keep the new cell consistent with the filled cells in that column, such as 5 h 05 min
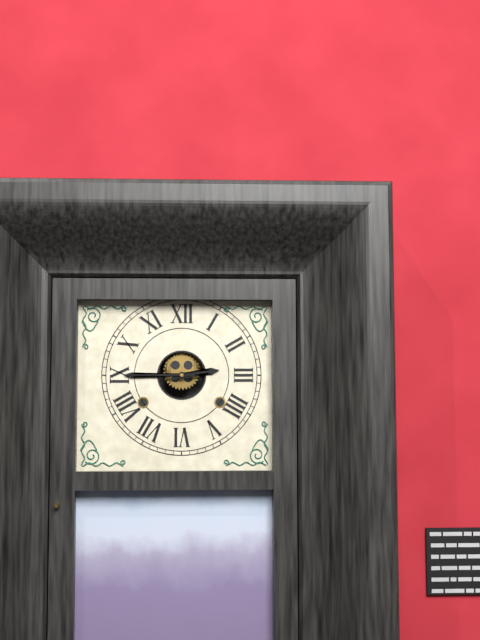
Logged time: 2 h 45 min
